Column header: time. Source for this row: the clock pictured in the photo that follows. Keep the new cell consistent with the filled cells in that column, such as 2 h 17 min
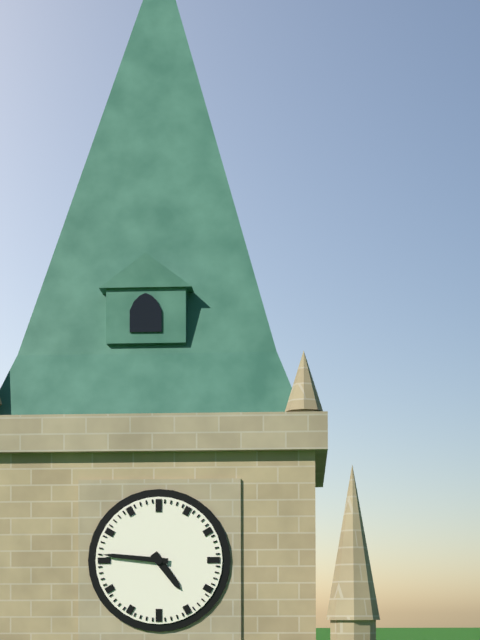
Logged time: 4 h 46 min
